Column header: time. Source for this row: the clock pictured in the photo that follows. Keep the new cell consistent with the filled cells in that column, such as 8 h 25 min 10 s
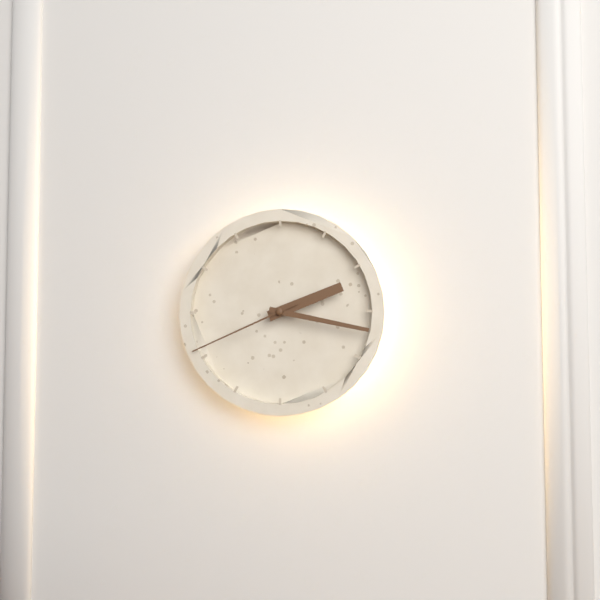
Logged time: 2 h 17 min 41 s
